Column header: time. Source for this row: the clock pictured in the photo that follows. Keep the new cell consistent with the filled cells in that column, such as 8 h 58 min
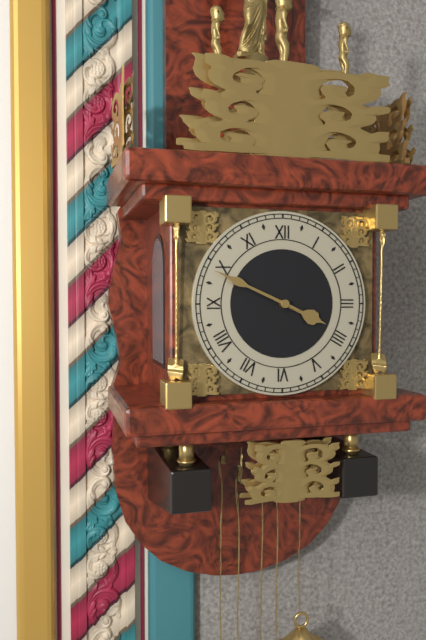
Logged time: 3 h 49 min
